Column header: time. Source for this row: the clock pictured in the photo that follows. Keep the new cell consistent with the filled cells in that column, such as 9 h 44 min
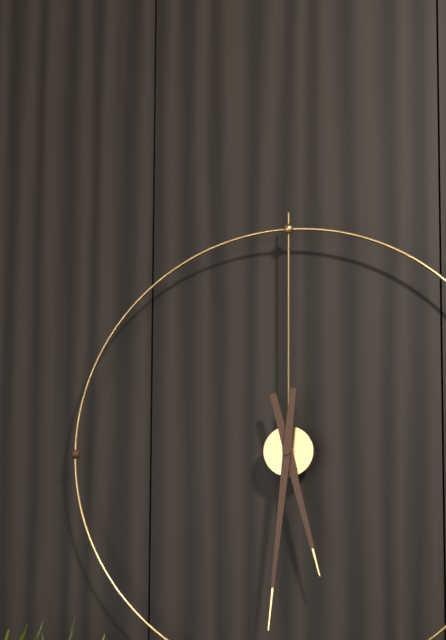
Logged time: 5 h 31 min
